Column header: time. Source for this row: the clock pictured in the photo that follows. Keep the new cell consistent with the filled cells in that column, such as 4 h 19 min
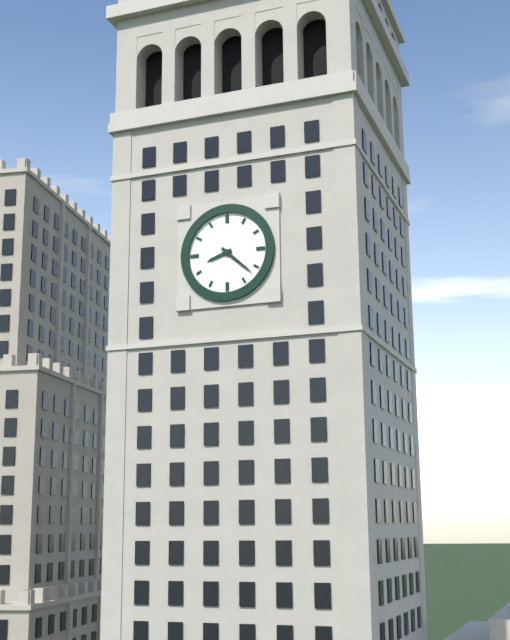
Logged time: 8 h 22 min
